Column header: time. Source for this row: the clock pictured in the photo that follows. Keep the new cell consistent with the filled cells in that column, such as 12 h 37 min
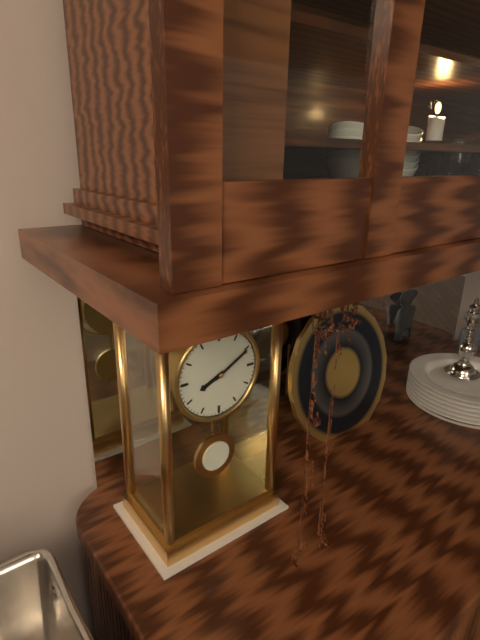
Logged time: 8 h 10 min
